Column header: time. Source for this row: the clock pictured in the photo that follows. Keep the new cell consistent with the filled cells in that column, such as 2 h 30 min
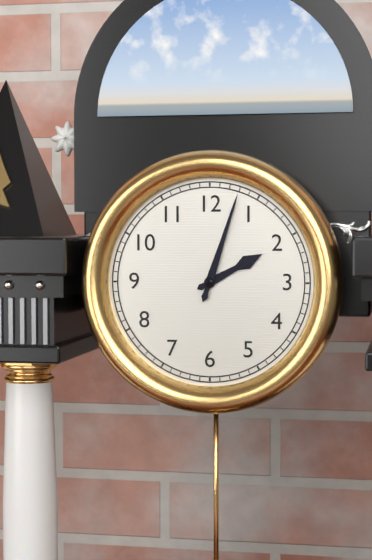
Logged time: 2 h 03 min
